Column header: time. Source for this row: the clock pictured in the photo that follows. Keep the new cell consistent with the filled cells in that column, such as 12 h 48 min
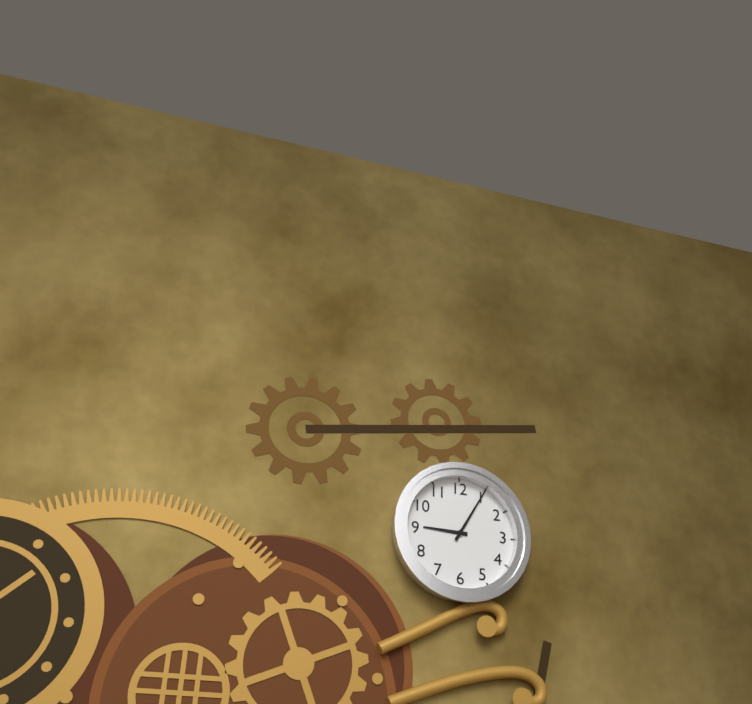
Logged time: 9 h 05 min
